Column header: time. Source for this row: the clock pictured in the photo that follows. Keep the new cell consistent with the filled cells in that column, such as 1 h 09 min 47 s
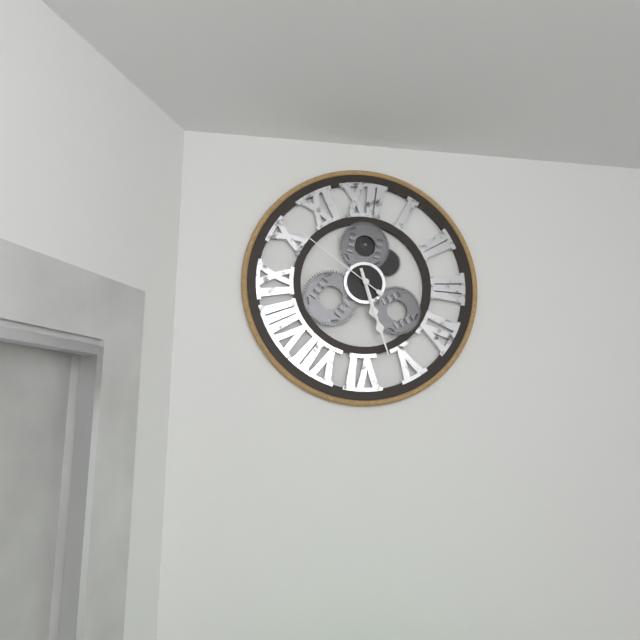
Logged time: 5 h 27 min 51 s
